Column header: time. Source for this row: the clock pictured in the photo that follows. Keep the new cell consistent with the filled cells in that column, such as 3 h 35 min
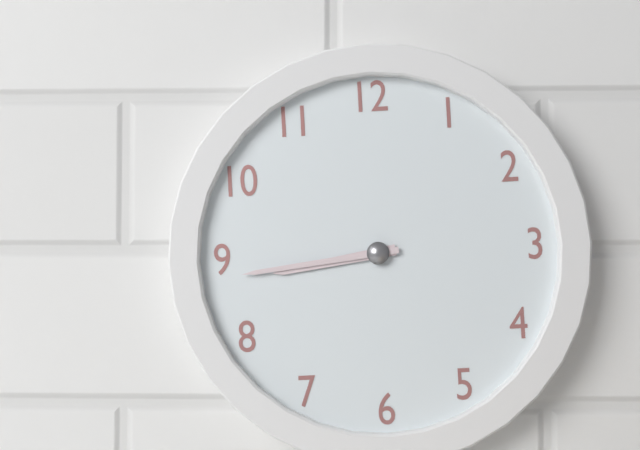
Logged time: 8 h 44 min
